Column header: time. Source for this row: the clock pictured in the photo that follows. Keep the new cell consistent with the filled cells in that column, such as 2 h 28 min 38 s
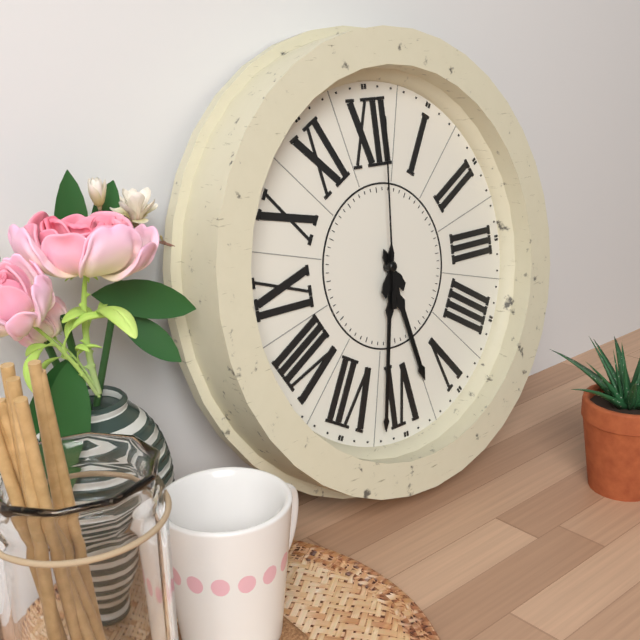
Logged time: 5 h 32 min 01 s
